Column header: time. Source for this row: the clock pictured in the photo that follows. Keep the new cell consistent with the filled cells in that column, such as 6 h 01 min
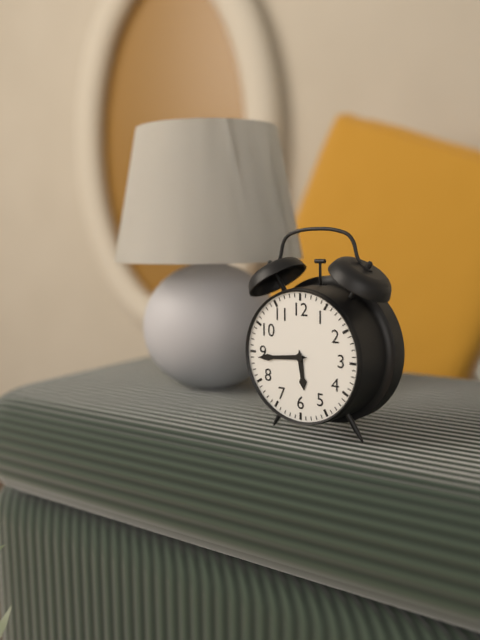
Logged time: 5 h 44 min
